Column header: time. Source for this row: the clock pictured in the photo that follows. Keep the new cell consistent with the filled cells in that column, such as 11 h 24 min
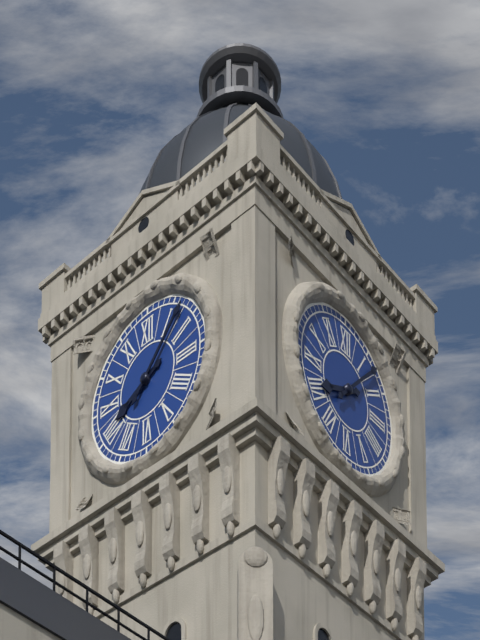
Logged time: 8 h 07 min
